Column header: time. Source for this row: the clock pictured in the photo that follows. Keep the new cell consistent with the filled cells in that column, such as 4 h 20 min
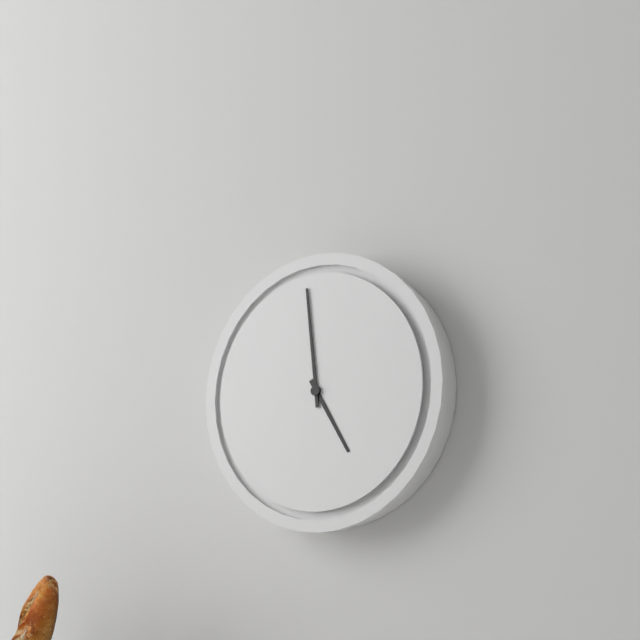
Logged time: 4 h 59 min
